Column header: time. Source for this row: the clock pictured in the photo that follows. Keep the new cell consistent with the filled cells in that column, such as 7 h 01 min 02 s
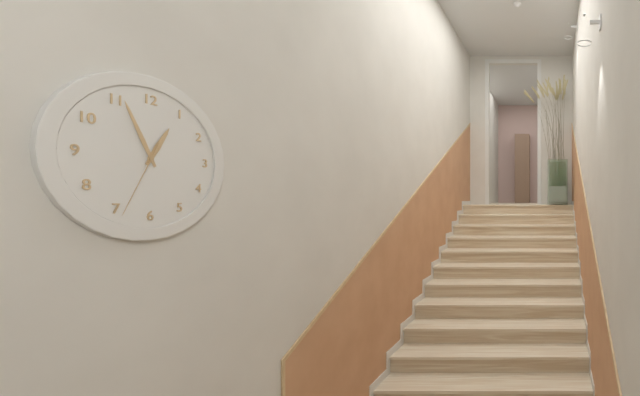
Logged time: 12 h 56 min 34 s
